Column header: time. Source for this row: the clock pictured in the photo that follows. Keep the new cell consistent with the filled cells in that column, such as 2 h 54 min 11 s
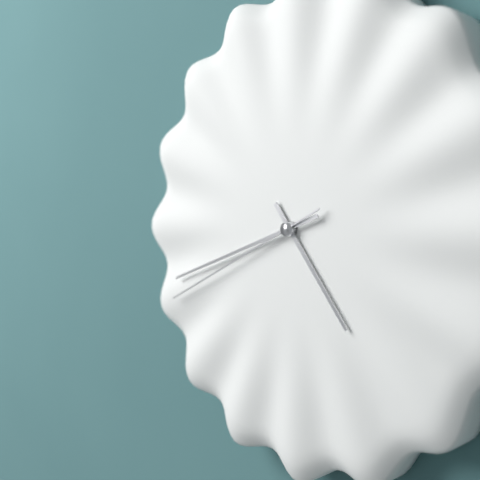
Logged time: 4 h 42 min 41 s
